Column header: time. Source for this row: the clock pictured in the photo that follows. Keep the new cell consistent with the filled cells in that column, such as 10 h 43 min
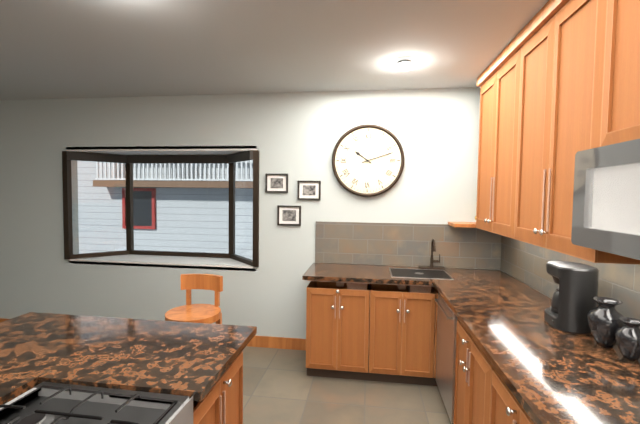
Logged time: 10 h 12 min
